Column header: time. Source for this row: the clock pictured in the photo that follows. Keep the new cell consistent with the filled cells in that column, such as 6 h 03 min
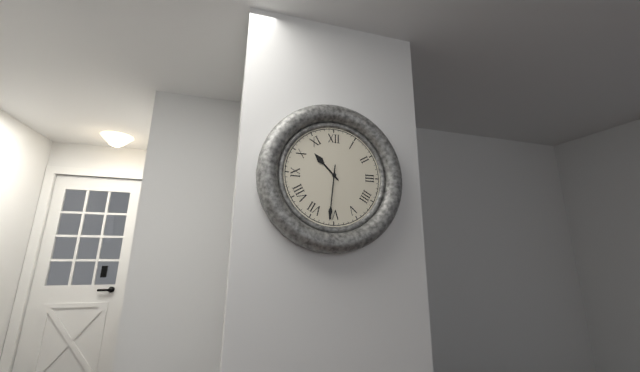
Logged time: 10 h 31 min
